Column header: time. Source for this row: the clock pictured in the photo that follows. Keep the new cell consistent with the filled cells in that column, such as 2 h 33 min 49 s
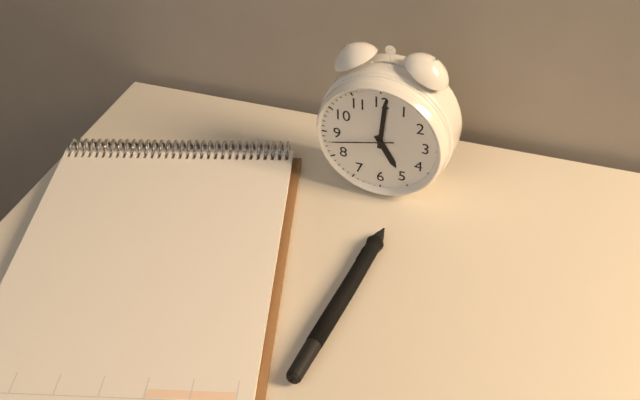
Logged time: 5 h 01 min 43 s
